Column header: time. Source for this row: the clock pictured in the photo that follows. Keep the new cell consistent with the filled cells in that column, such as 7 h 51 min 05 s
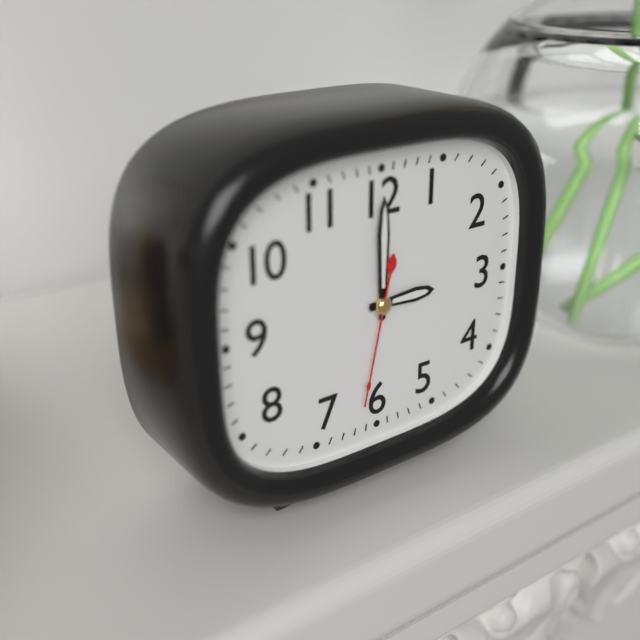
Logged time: 3 h 00 min 32 s
